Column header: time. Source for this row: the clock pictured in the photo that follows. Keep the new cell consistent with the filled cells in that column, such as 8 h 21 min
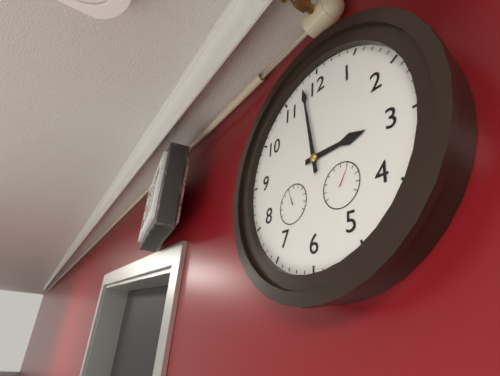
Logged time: 2 h 58 min
